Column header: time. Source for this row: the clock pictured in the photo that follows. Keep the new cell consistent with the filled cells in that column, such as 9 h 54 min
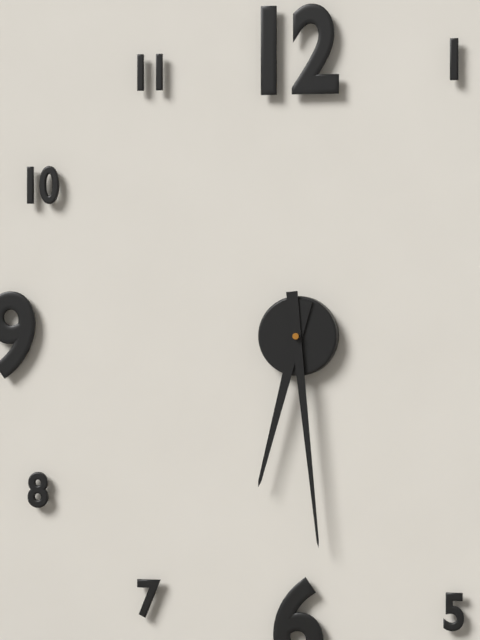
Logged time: 6 h 29 min
